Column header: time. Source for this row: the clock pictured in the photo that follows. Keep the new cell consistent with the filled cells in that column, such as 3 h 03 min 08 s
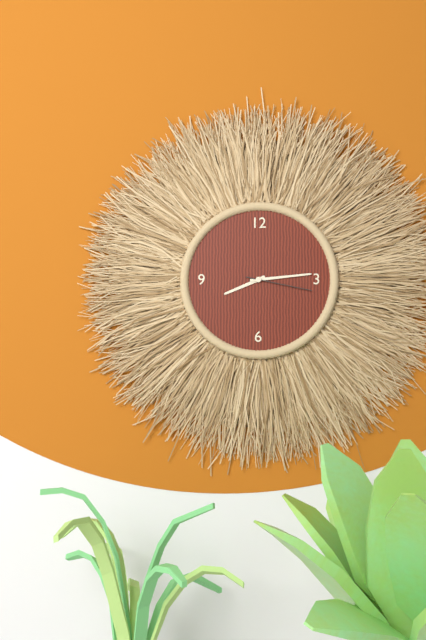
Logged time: 8 h 14 min 17 s
